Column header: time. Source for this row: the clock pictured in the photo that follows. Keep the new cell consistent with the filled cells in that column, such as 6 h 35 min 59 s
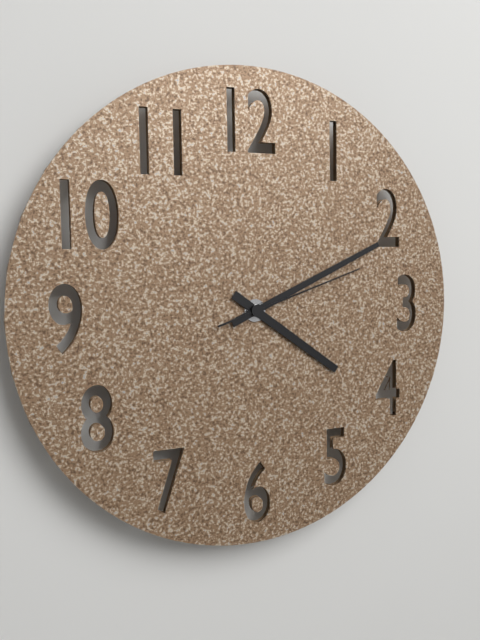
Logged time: 4 h 11 min 12 s
